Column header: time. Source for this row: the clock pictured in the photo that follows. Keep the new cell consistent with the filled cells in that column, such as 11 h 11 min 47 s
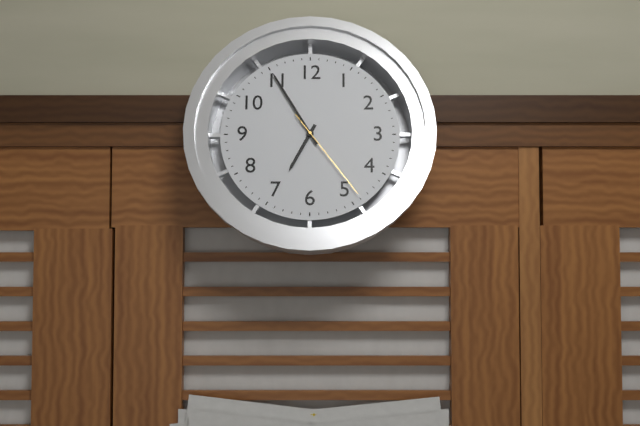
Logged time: 6 h 55 min 24 s
